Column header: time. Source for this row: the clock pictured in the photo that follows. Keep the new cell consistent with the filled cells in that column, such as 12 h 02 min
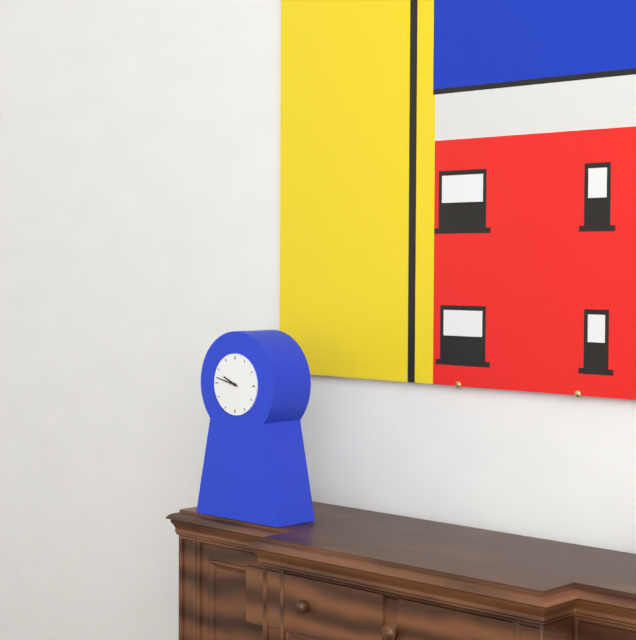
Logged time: 9 h 47 min
